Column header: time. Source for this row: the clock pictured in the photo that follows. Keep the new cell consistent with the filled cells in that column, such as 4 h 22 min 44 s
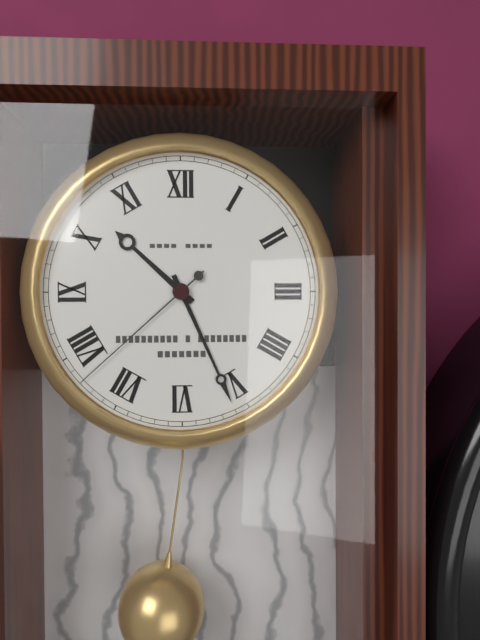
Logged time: 10 h 26 min 38 s
